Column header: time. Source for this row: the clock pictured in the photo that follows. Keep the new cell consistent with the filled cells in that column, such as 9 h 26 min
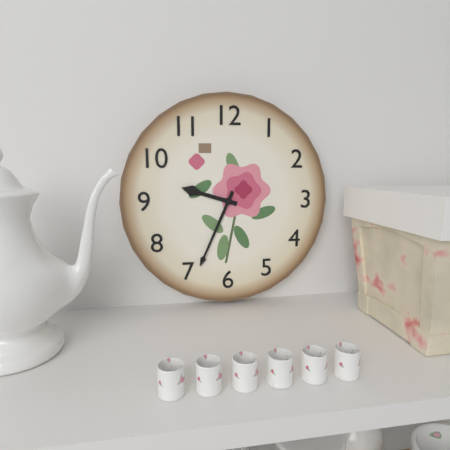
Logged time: 9 h 34 min
